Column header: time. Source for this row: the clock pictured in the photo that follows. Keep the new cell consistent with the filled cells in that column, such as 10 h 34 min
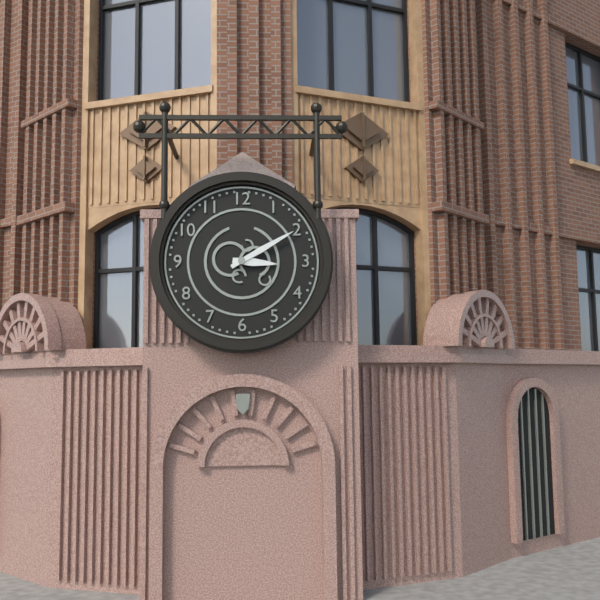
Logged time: 3 h 10 min
